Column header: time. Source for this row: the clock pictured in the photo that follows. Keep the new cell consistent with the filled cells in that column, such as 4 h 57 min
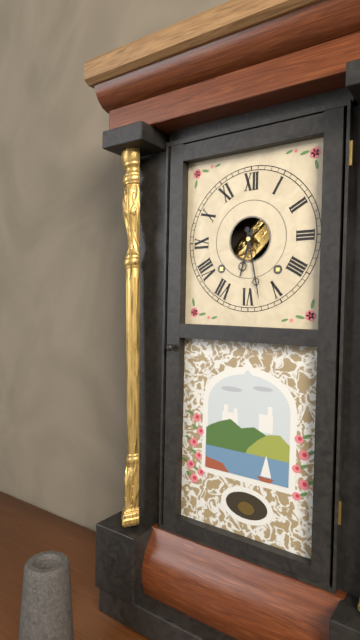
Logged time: 6 h 28 min
